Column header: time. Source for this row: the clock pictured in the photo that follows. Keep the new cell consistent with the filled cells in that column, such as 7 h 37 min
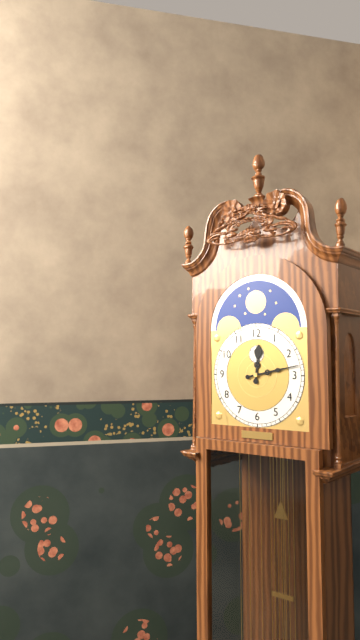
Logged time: 12 h 13 min
